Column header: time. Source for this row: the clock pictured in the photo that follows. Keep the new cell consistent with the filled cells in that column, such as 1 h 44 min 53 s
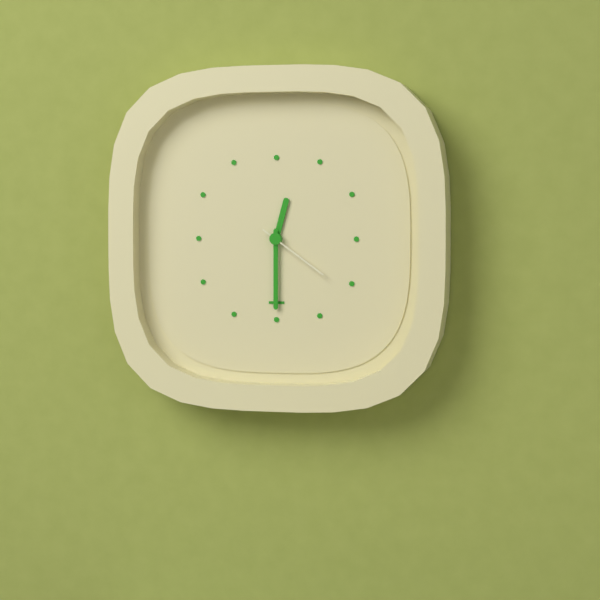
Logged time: 12 h 30 min 21 s
